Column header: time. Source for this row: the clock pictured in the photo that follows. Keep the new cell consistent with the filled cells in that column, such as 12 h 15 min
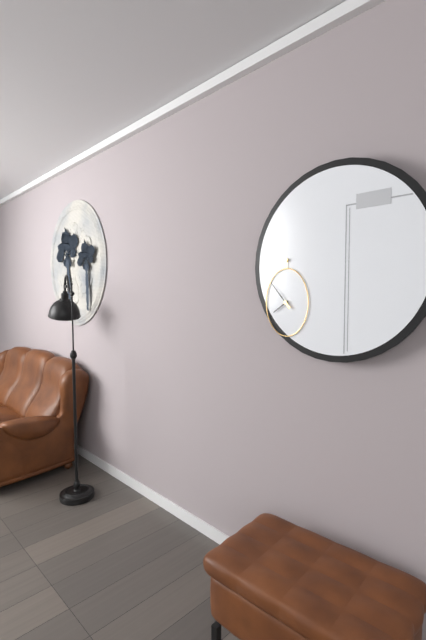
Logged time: 7 h 53 min
